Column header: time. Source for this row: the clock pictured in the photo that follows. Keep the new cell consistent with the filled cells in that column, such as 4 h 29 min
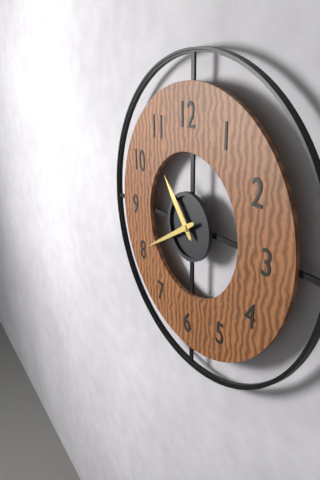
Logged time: 10 h 40 min
